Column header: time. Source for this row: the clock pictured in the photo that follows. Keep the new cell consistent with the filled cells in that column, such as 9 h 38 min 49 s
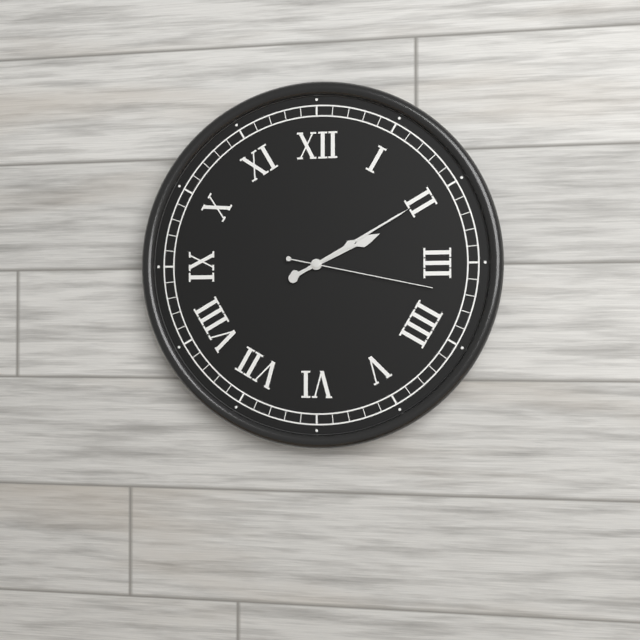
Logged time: 2 h 10 min 17 s
